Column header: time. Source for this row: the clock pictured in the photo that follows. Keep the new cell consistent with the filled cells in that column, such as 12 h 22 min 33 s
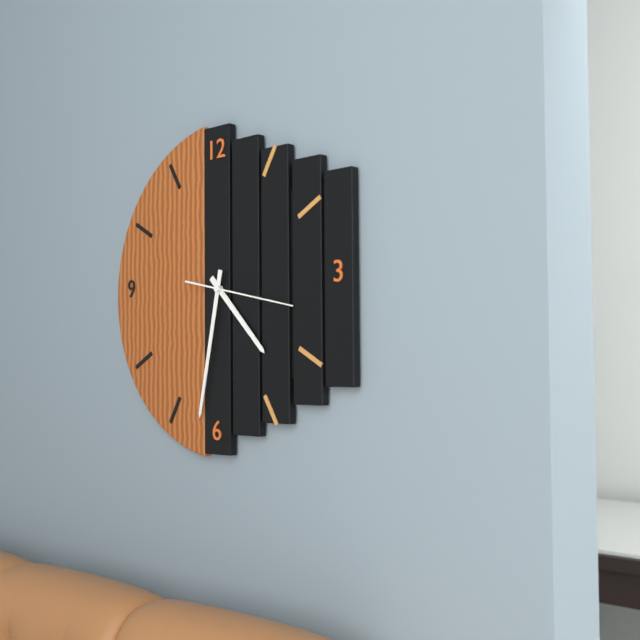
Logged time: 4 h 32 min 17 s
